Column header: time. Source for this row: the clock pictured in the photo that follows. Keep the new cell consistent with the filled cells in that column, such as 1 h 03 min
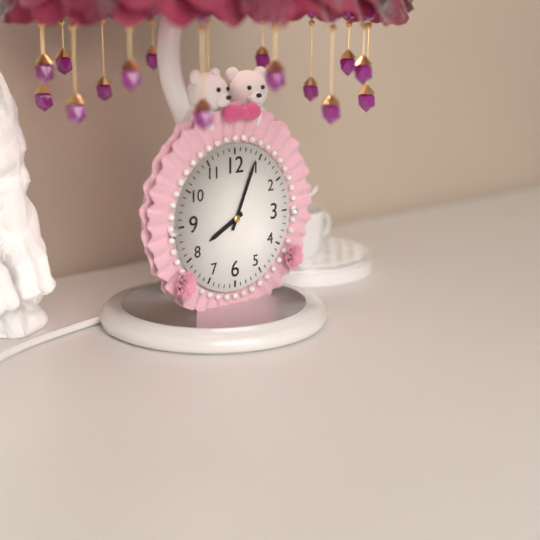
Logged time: 8 h 04 min
